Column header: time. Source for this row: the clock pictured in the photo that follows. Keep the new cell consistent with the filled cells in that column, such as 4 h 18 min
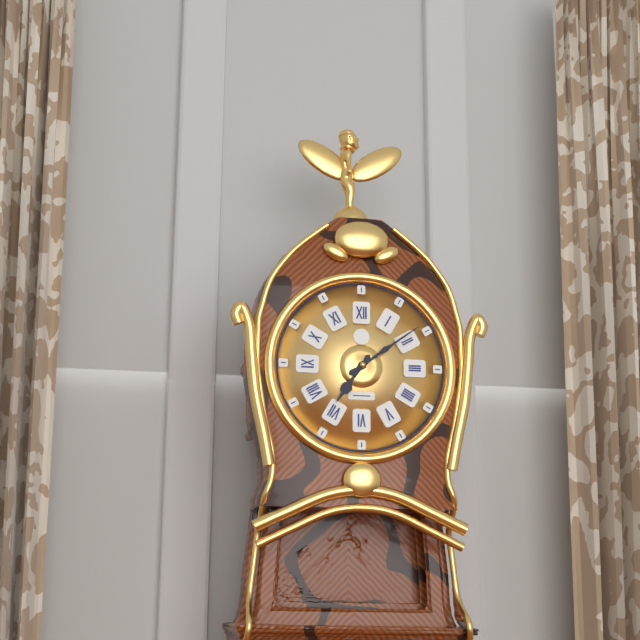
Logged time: 7 h 09 min
